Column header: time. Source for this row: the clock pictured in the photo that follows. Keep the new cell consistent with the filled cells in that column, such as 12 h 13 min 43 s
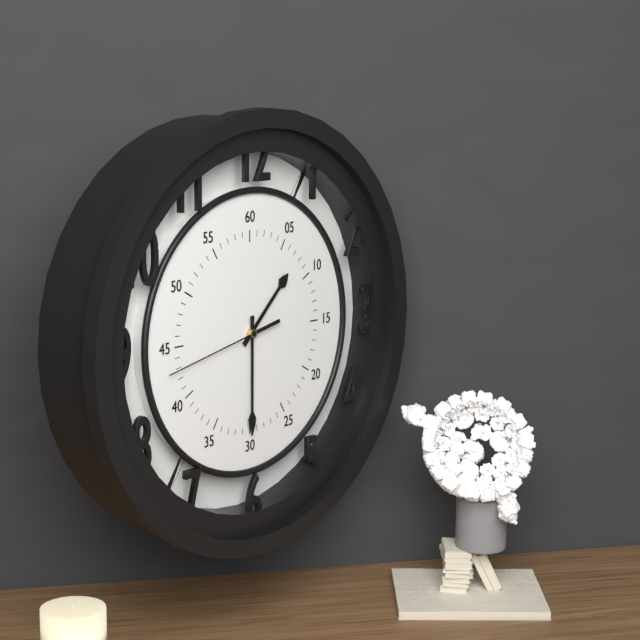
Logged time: 1 h 30 min 43 s
